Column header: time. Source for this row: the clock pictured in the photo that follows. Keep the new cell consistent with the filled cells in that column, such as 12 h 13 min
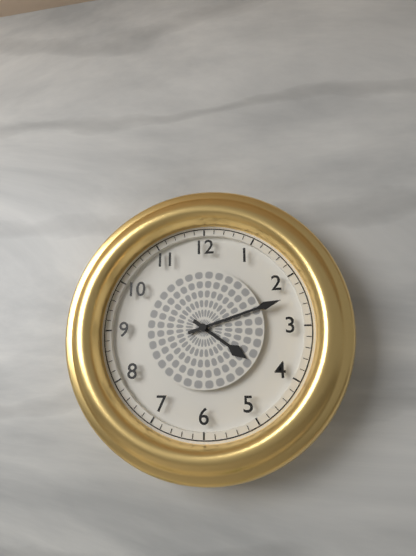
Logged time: 4 h 12 min
